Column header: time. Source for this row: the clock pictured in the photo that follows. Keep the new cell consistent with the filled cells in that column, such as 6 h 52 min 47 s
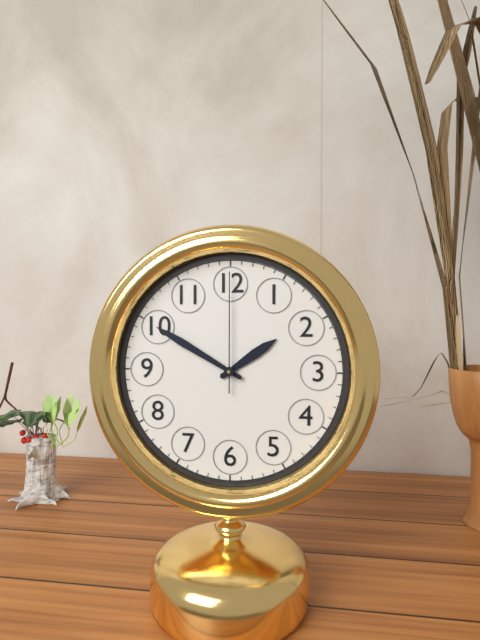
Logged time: 1 h 50 min 00 s
